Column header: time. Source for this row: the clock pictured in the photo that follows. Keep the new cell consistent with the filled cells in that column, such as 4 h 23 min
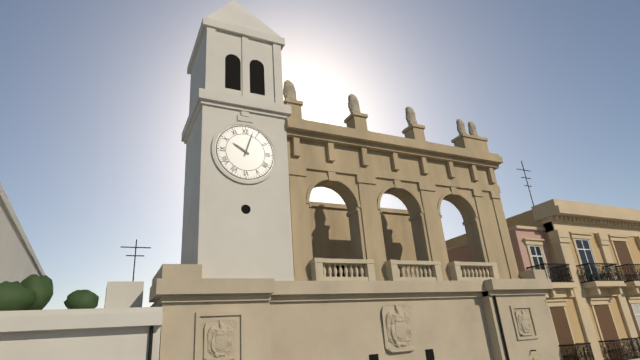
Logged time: 10 h 03 min
